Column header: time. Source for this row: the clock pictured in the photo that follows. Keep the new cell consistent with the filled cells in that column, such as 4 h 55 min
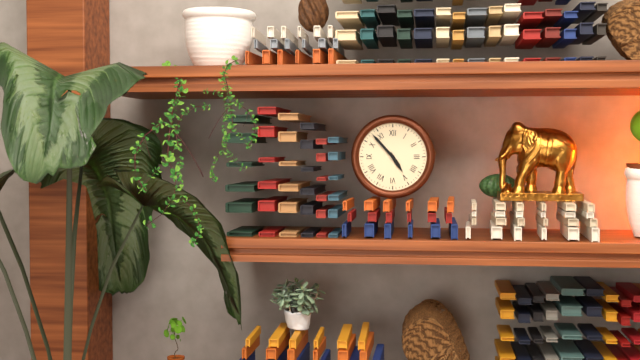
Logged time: 4 h 53 min
